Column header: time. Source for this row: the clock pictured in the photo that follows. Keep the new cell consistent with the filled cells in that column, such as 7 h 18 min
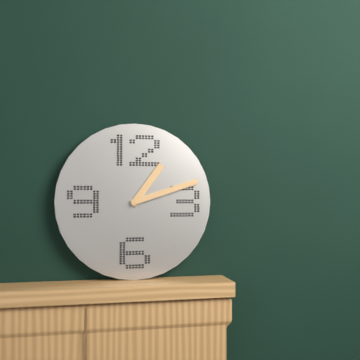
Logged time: 1 h 12 min
